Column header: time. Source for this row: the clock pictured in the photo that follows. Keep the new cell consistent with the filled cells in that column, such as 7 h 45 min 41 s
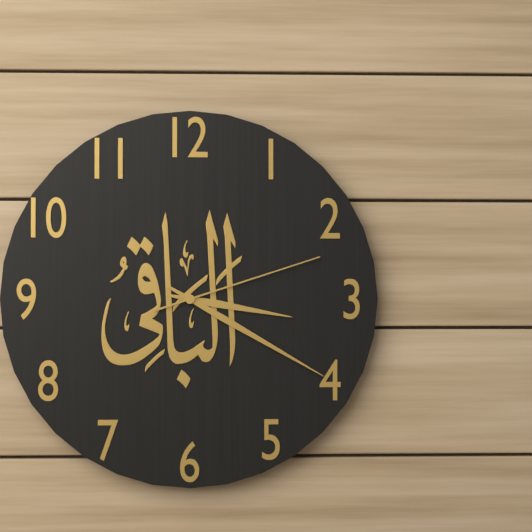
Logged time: 3 h 20 min 12 s
